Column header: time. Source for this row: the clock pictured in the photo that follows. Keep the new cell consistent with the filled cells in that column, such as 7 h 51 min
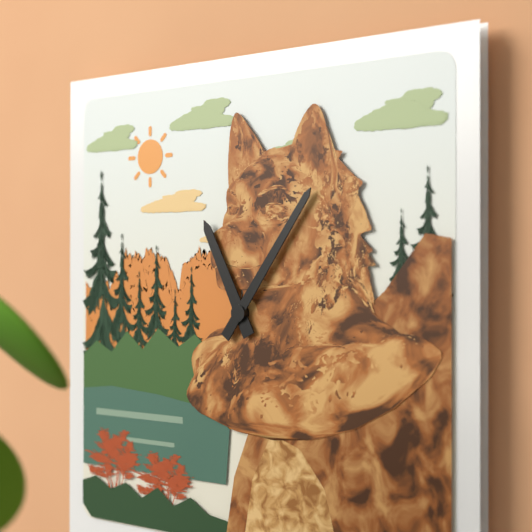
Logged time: 11 h 06 min
